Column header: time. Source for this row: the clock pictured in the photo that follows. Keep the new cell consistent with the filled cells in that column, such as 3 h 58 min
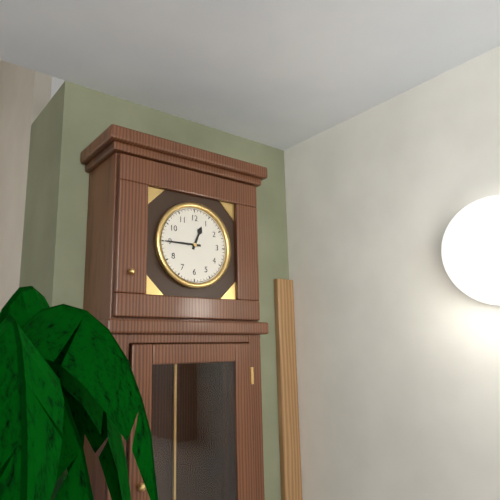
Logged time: 12 h 45 min
